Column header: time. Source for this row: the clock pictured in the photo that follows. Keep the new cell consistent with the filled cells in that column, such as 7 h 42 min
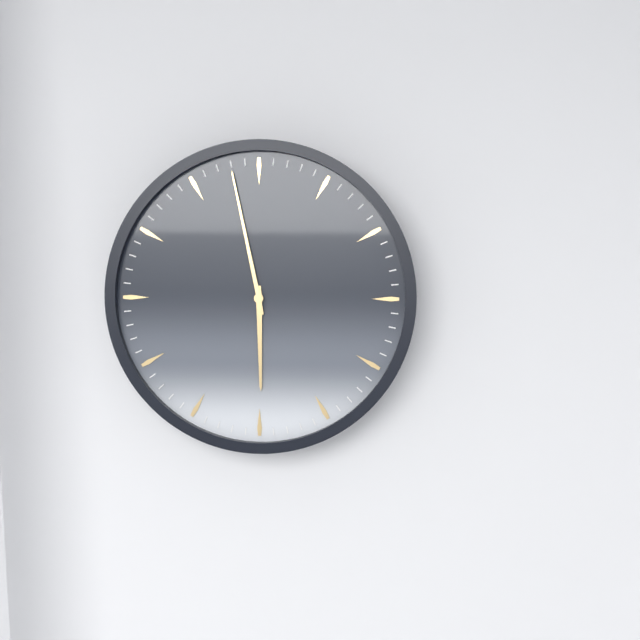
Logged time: 5 h 58 min
